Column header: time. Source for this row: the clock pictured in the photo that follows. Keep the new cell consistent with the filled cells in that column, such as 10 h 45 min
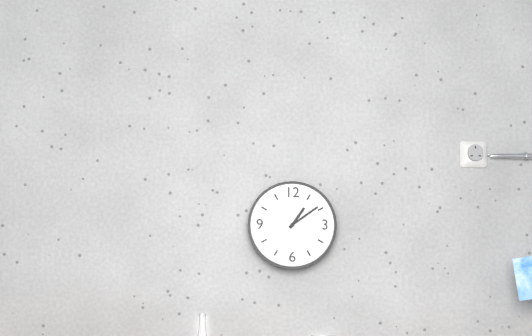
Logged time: 1 h 09 min
